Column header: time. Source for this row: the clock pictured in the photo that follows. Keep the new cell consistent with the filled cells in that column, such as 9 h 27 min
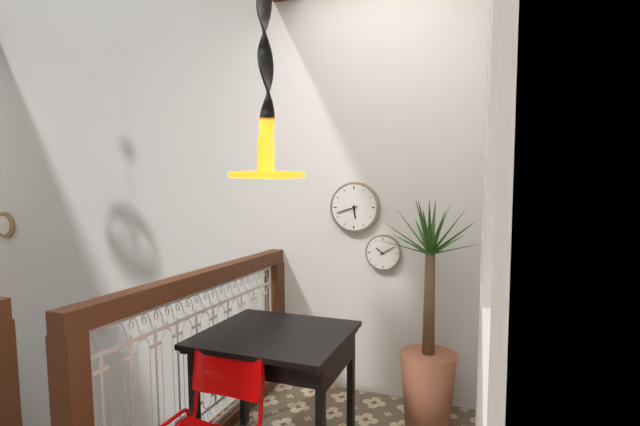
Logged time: 5 h 42 min
